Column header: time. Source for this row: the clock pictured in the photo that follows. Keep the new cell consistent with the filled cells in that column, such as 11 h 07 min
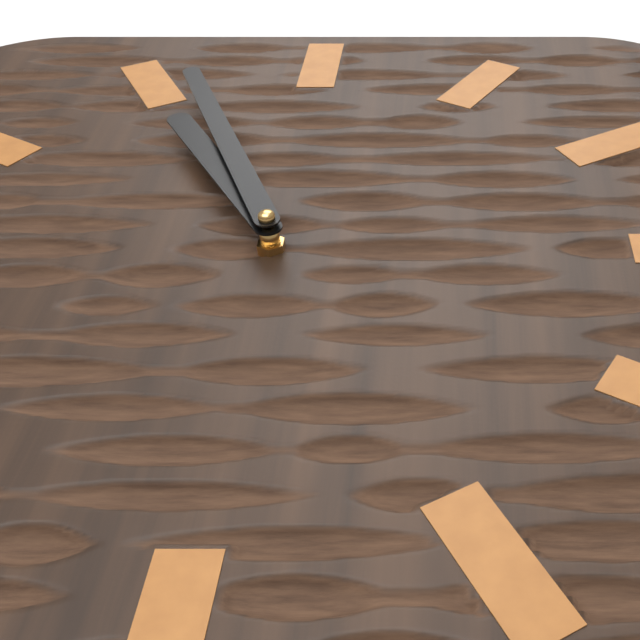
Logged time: 10 h 56 min
